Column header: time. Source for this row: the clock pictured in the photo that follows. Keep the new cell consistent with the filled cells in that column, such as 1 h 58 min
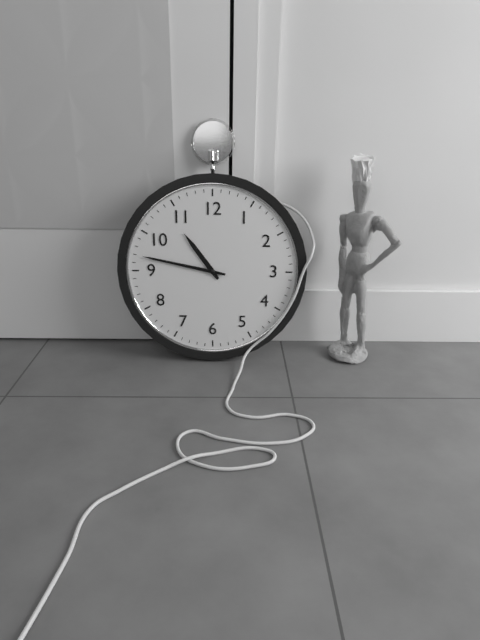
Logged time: 10 h 47 min
